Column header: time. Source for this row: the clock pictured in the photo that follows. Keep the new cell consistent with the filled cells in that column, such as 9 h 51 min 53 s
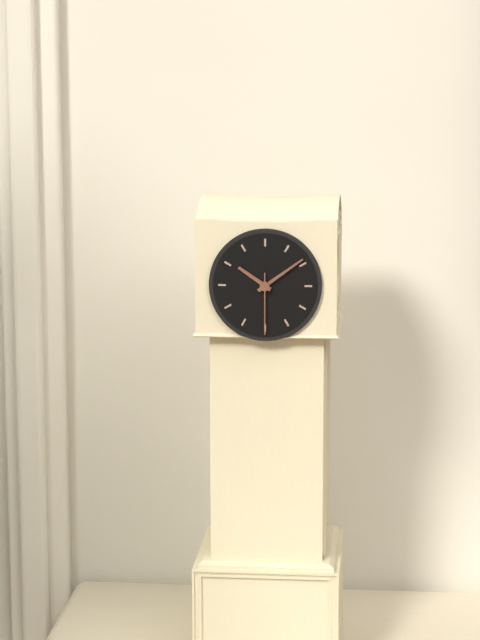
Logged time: 10 h 09 min 30 s
